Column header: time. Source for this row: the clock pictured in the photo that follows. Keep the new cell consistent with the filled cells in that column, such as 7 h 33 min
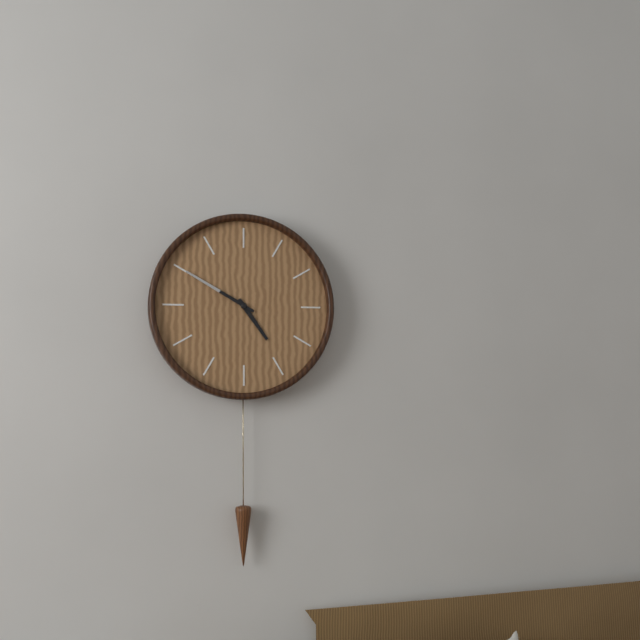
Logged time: 4 h 50 min
